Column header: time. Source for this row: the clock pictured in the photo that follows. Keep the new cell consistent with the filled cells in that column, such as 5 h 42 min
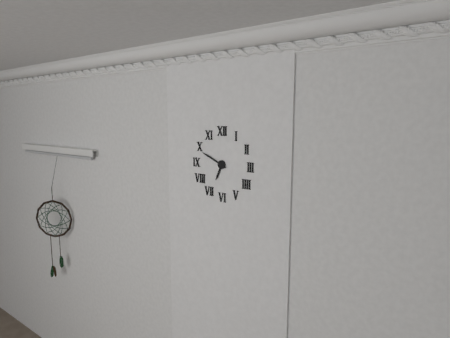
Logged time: 6 h 49 min
